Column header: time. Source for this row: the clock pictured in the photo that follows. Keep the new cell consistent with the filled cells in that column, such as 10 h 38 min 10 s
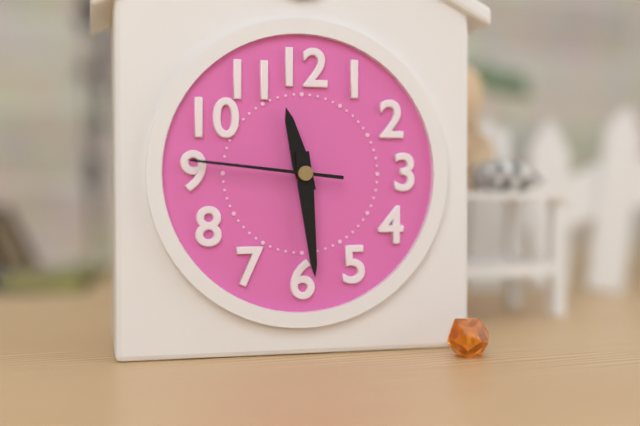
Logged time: 11 h 29 min 46 s
